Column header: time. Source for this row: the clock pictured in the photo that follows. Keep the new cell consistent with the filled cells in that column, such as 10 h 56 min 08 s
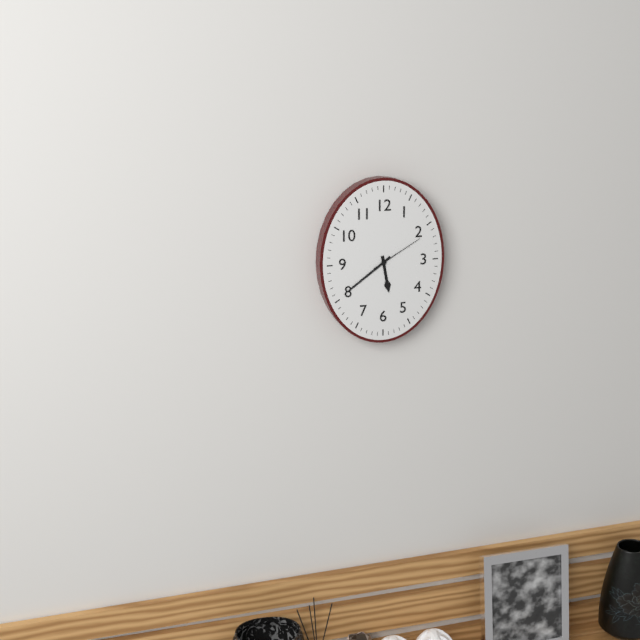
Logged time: 5 h 39 min 10 s
